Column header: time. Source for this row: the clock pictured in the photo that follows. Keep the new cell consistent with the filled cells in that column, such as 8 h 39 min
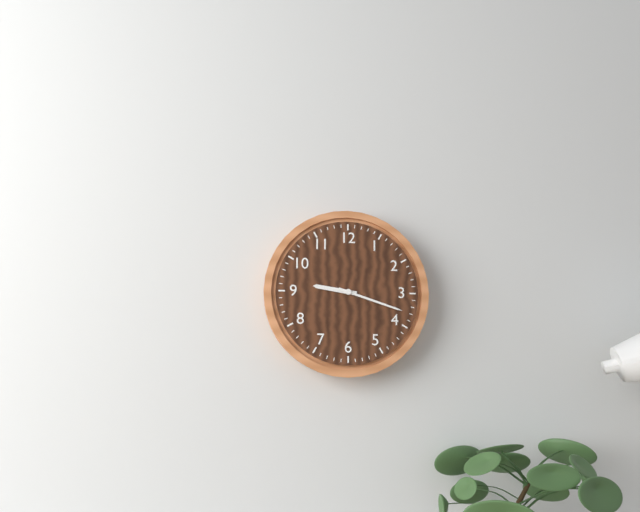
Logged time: 9 h 18 min
